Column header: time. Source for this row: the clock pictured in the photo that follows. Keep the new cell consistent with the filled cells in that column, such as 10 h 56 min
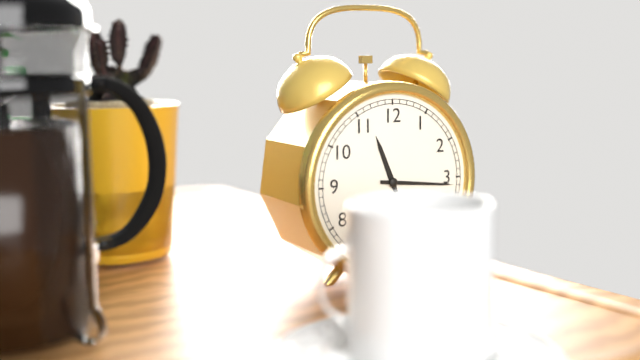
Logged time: 11 h 16 min
